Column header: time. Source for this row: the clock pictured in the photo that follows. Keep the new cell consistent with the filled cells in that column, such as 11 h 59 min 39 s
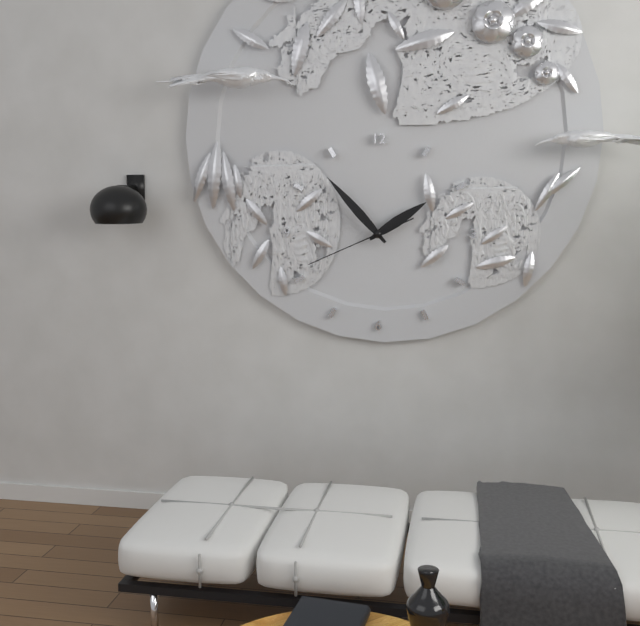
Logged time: 1 h 53 min 41 s
